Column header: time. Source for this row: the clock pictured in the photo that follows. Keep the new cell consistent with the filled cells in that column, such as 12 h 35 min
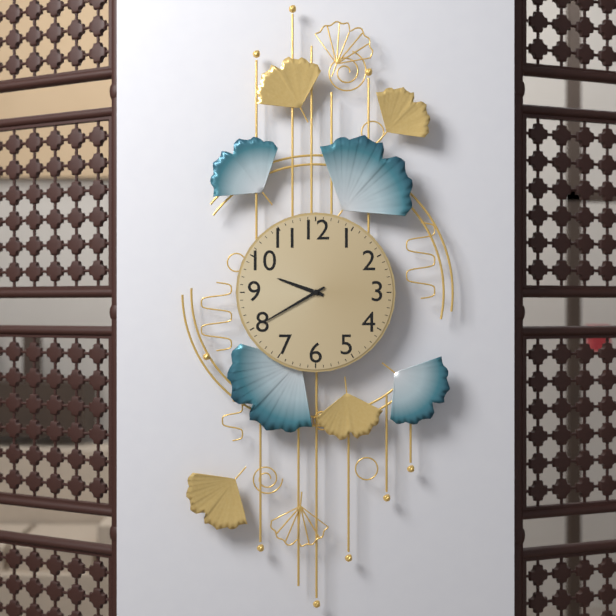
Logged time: 9 h 40 min
